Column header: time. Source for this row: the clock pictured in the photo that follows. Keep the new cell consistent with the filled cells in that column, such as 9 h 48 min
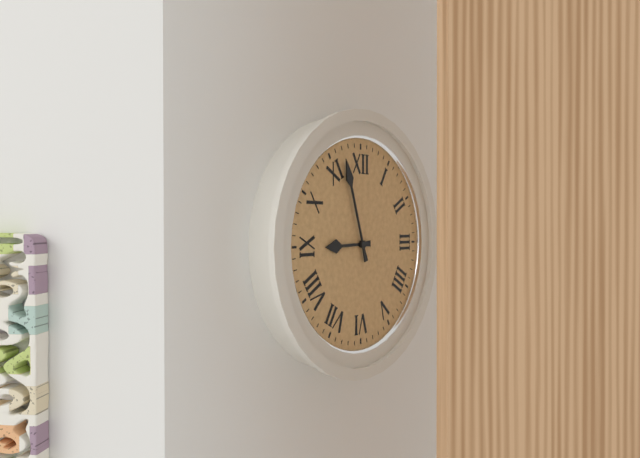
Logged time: 8 h 57 min
